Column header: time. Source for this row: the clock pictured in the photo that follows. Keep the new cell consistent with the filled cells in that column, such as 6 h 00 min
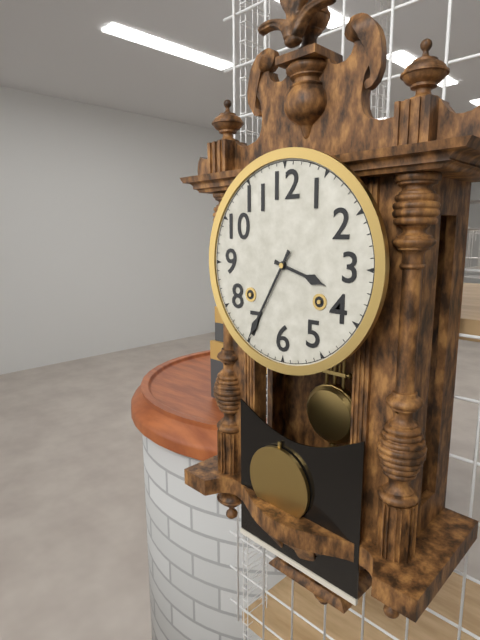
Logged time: 3 h 35 min
